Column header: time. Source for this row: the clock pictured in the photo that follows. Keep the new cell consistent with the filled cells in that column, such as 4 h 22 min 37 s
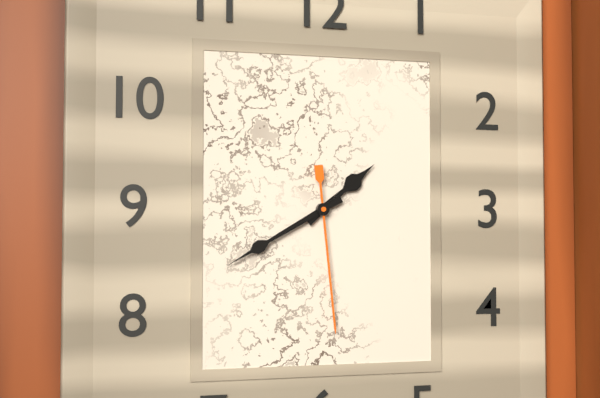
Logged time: 1 h 40 min 29 s
